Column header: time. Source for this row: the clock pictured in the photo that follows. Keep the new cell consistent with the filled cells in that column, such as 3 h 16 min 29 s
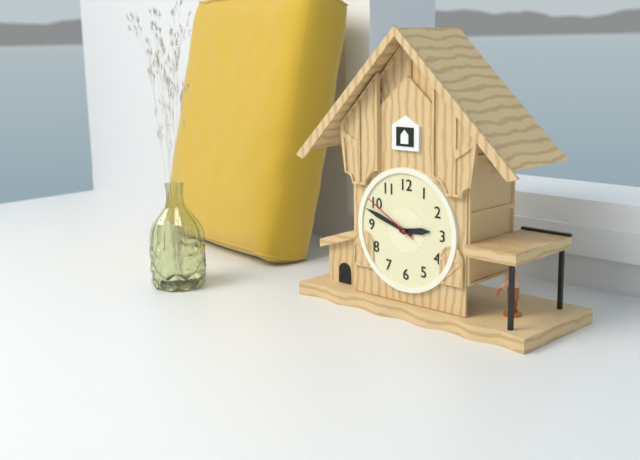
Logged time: 2 h 48 min 50 s
